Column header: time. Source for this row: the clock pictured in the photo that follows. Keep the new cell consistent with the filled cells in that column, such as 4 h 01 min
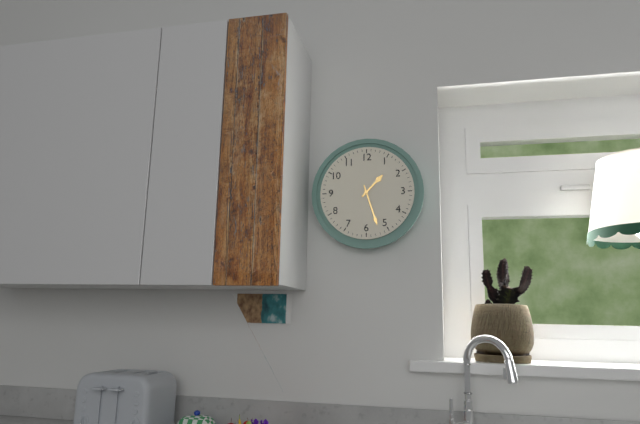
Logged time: 1 h 27 min
